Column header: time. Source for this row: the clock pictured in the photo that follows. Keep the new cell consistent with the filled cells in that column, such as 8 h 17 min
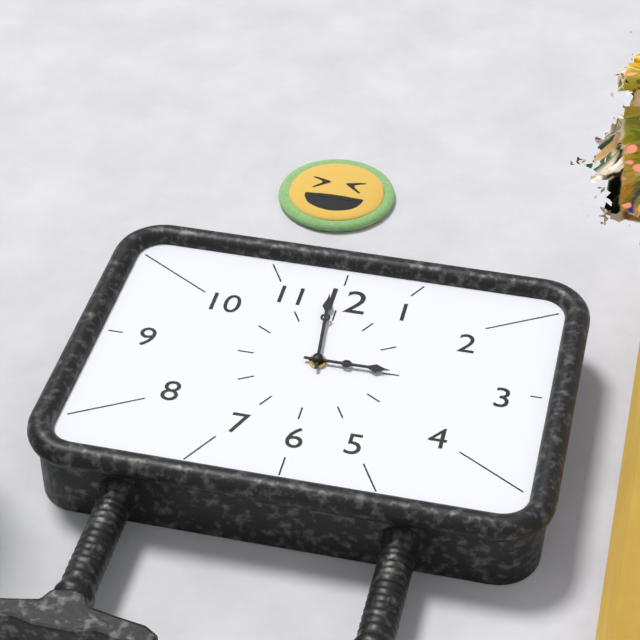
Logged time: 2 h 59 min
